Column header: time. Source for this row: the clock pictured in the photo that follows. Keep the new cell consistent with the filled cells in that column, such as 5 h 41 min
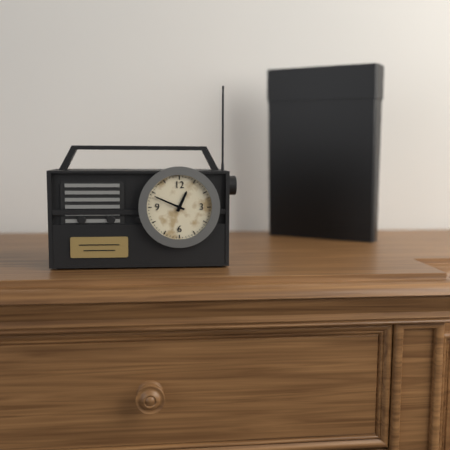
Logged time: 12 h 49 min
